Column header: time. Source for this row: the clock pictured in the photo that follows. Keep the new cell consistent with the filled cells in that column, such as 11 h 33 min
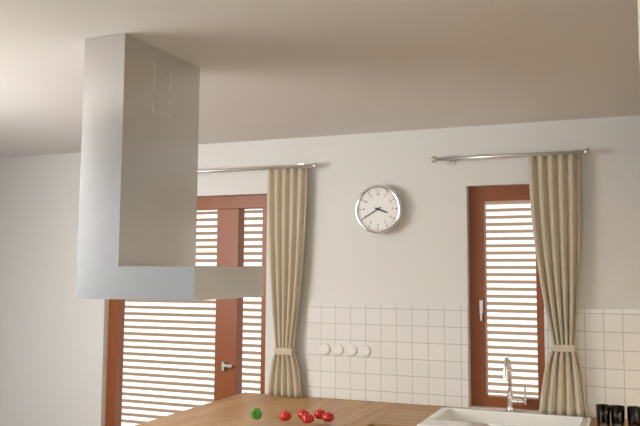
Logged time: 3 h 40 min
